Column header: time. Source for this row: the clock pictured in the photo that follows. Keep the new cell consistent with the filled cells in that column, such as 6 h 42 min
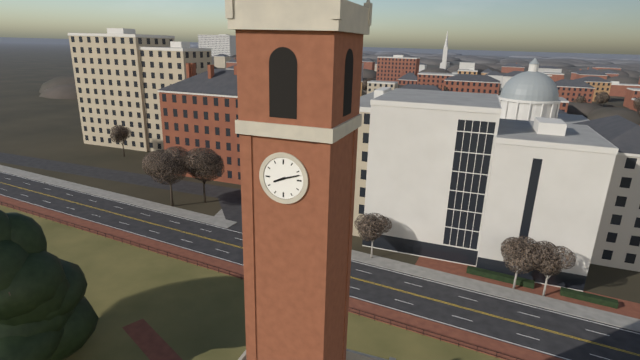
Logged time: 8 h 12 min
